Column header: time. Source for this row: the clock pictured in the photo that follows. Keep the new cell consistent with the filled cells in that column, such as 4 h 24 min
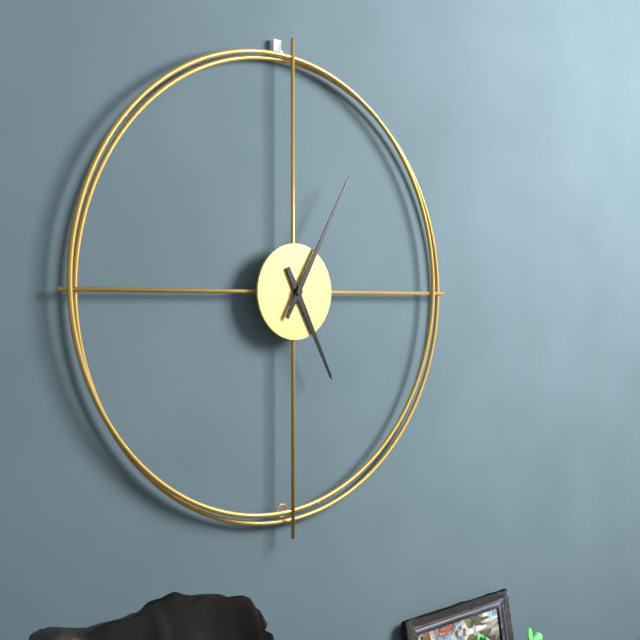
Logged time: 5 h 05 min
